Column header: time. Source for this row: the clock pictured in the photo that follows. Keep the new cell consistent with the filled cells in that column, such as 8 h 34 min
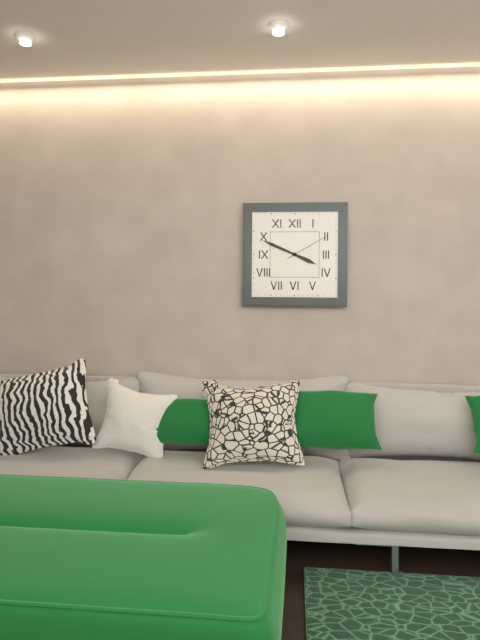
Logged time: 3 h 49 min
